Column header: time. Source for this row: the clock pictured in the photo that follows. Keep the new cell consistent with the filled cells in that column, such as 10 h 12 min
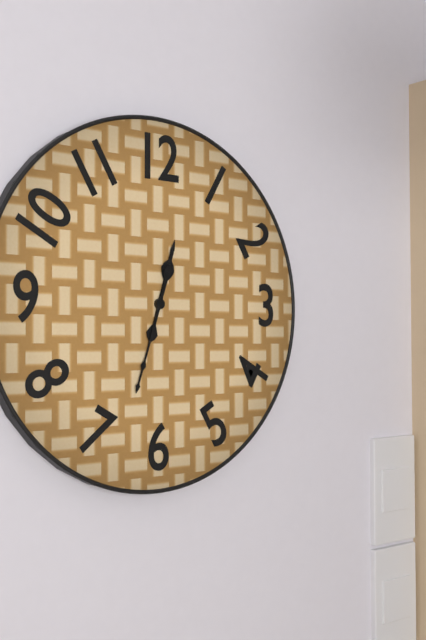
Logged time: 12 h 33 min
